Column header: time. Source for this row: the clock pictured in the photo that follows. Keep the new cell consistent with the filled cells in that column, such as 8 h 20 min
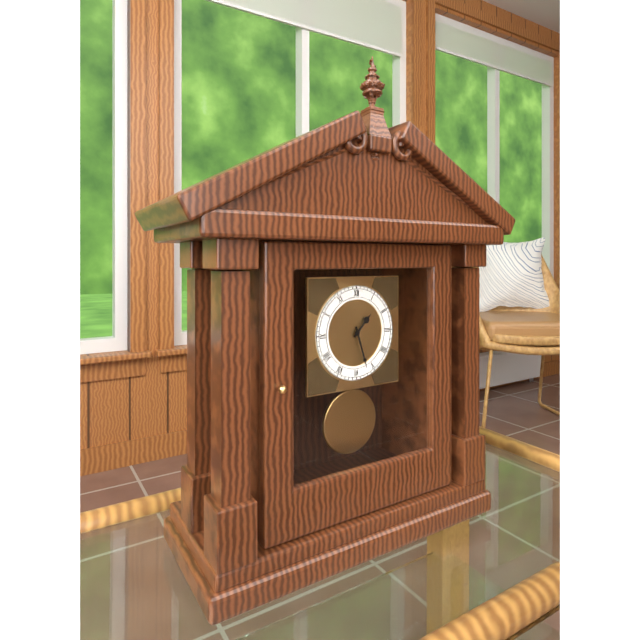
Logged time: 1 h 27 min
